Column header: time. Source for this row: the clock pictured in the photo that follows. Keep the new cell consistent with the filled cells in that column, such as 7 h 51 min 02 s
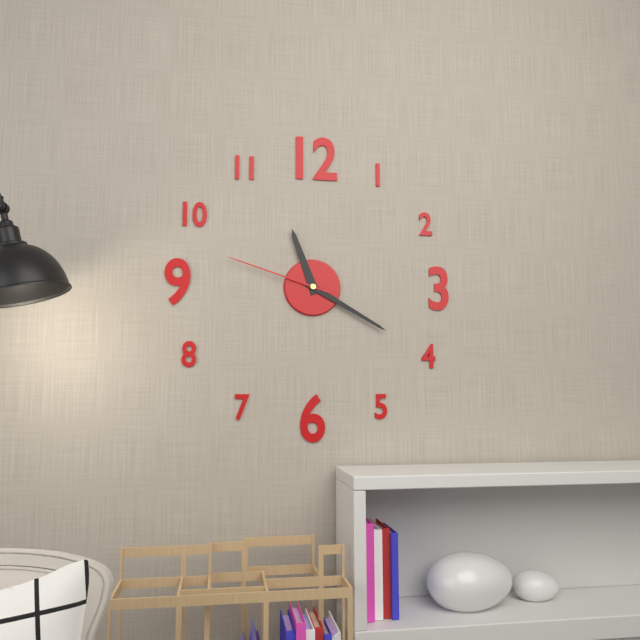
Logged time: 11 h 20 min 48 s
